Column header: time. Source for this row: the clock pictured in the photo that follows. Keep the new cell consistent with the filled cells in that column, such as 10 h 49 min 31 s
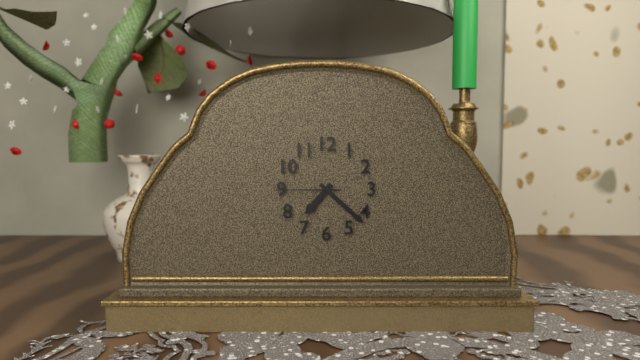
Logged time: 7 h 22 min 45 s
